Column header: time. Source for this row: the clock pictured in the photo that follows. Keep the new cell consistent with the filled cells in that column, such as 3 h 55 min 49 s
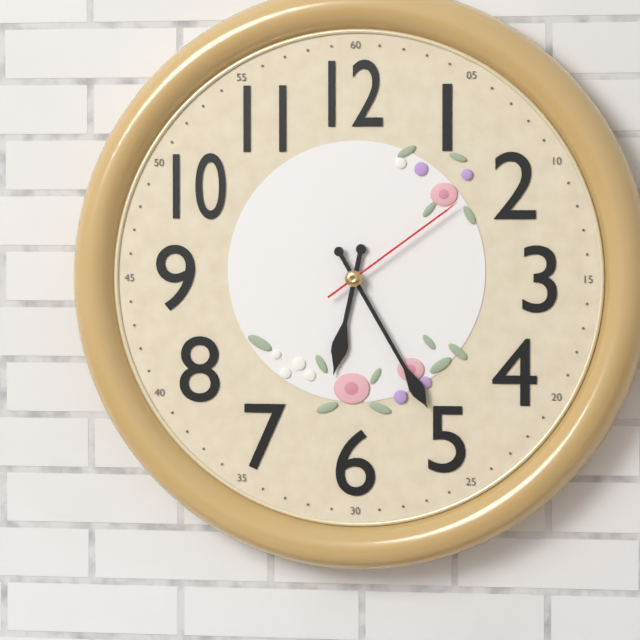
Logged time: 6 h 25 min 09 s
